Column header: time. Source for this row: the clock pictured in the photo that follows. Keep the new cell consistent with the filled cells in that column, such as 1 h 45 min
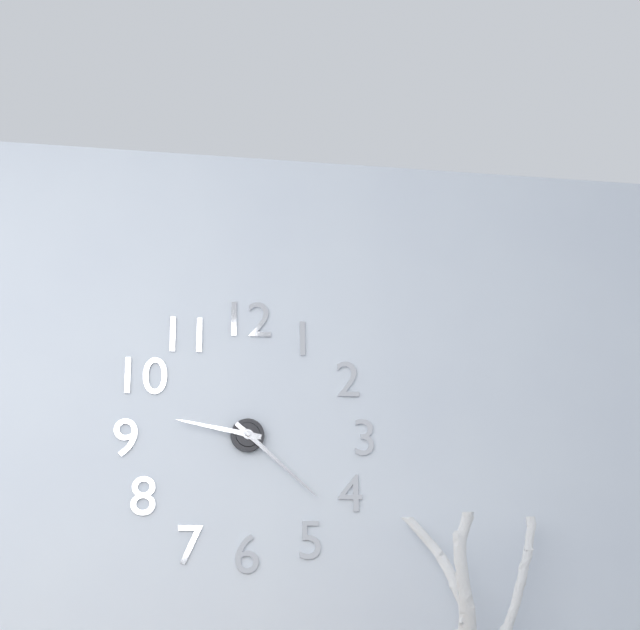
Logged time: 9 h 22 min
